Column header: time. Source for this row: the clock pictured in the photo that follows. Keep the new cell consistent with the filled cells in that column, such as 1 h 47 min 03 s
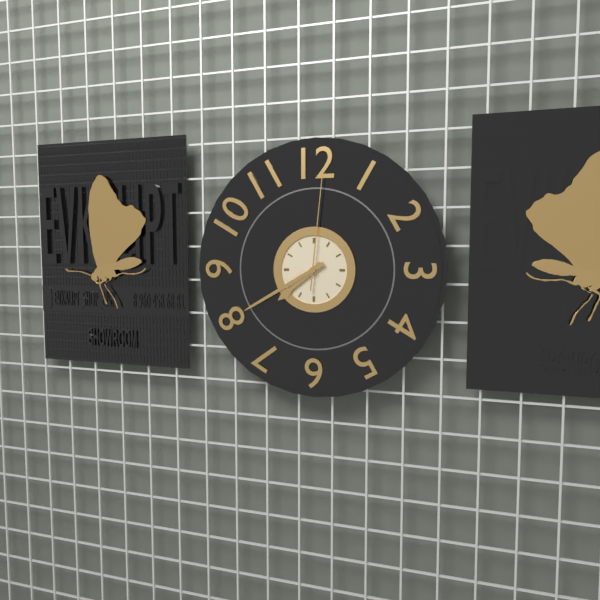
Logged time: 7 h 40 min 01 s
